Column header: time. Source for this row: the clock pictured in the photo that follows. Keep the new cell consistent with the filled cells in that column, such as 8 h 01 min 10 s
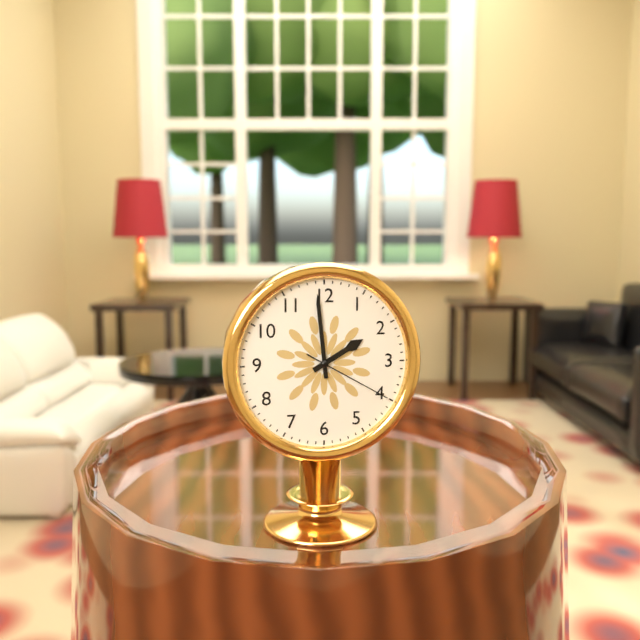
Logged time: 1 h 59 min 20 s
